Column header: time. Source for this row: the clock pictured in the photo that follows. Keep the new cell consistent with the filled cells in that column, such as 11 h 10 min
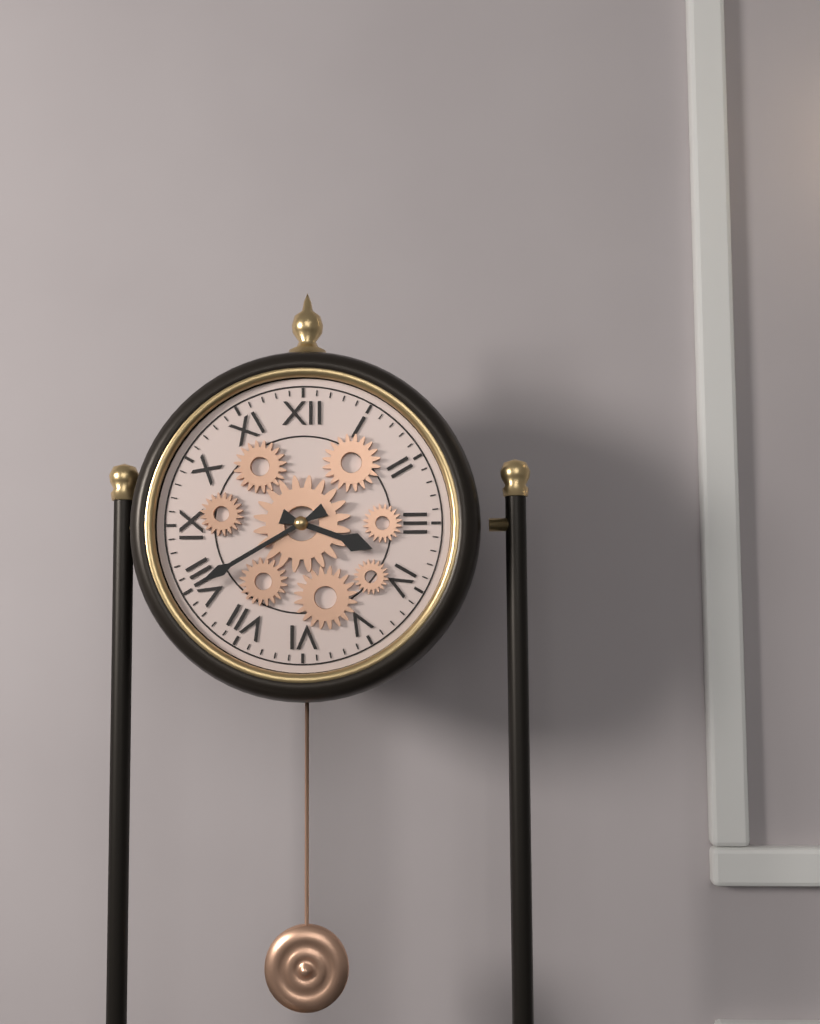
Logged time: 3 h 40 min
